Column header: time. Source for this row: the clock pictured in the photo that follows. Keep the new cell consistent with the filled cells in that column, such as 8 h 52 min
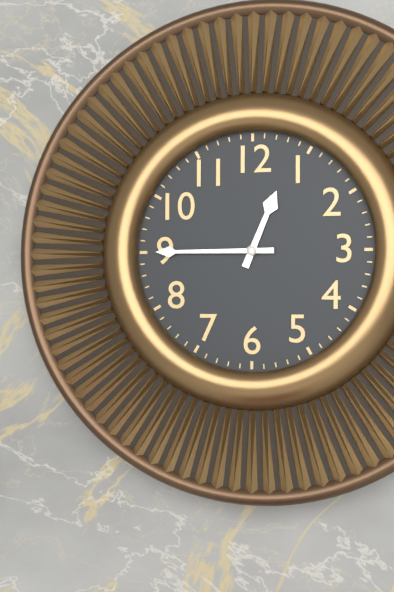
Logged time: 12 h 45 min
